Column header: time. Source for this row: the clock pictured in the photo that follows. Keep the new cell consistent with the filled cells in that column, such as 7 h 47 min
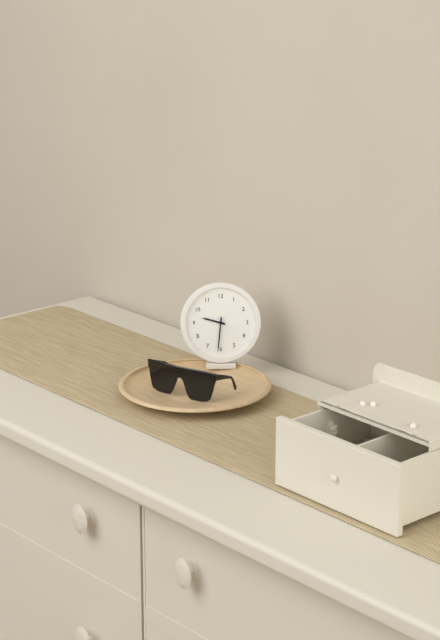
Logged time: 9 h 31 min
